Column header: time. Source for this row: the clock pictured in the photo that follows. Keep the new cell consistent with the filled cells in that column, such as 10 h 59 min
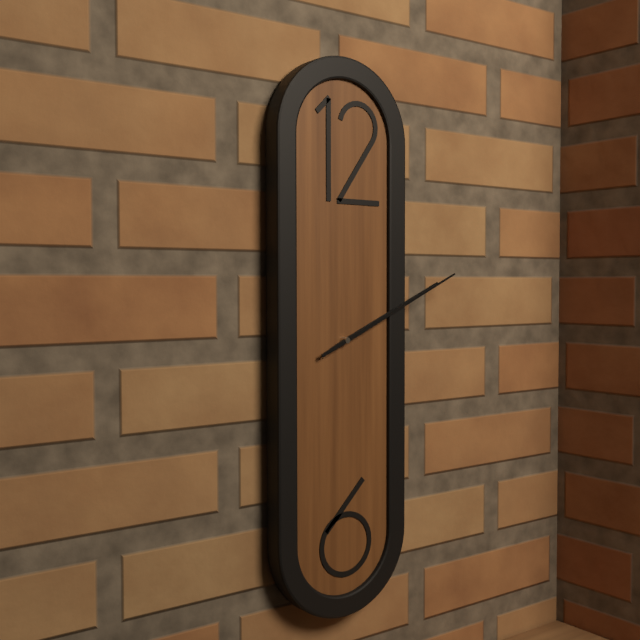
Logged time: 2 h 11 min
